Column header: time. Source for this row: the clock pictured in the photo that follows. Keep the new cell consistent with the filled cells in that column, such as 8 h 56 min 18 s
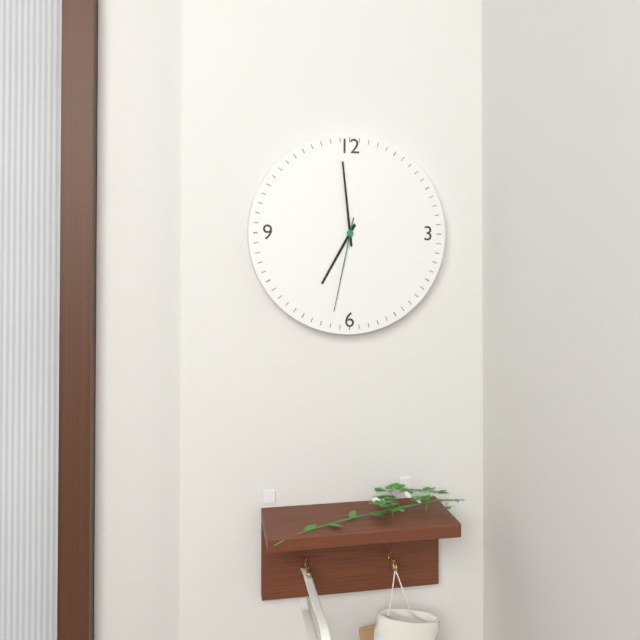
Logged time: 6 h 59 min 32 s
